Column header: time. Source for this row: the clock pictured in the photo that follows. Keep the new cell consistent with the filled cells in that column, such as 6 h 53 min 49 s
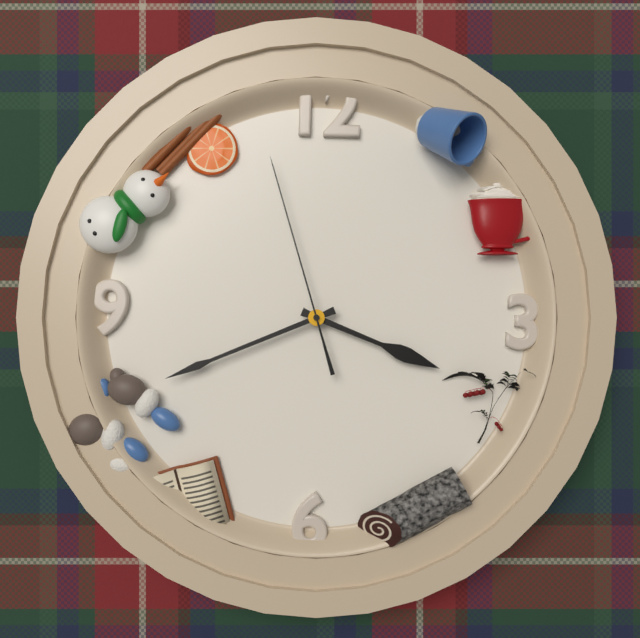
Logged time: 3 h 41 min 57 s
